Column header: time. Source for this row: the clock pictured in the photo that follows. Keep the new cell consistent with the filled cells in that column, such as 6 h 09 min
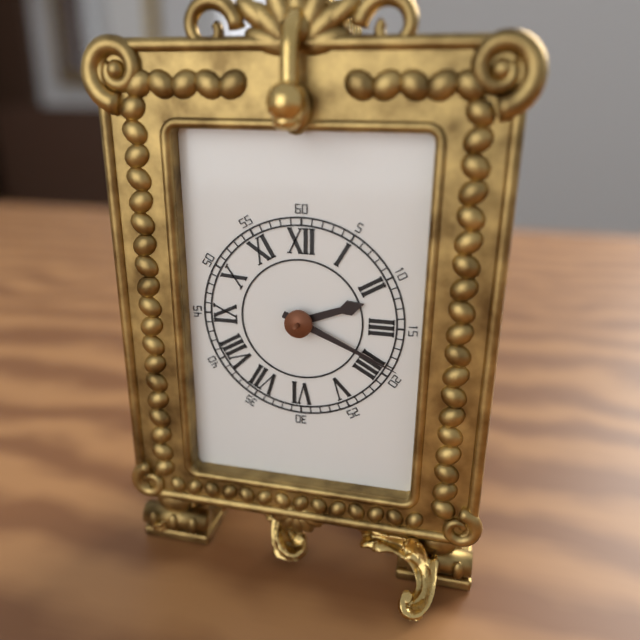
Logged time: 2 h 19 min
